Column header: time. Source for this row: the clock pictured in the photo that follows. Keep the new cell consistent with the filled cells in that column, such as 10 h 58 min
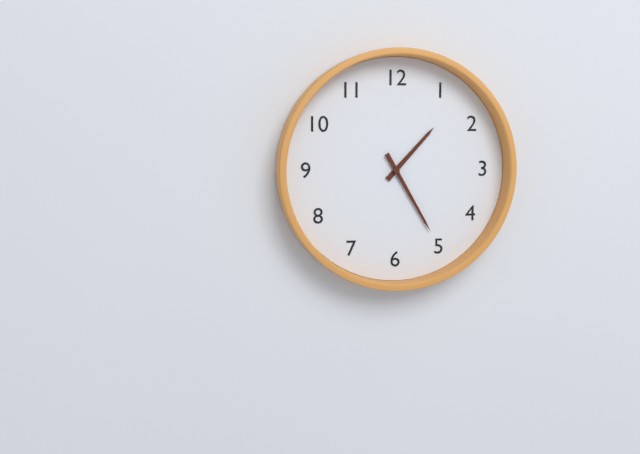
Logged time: 1 h 25 min
